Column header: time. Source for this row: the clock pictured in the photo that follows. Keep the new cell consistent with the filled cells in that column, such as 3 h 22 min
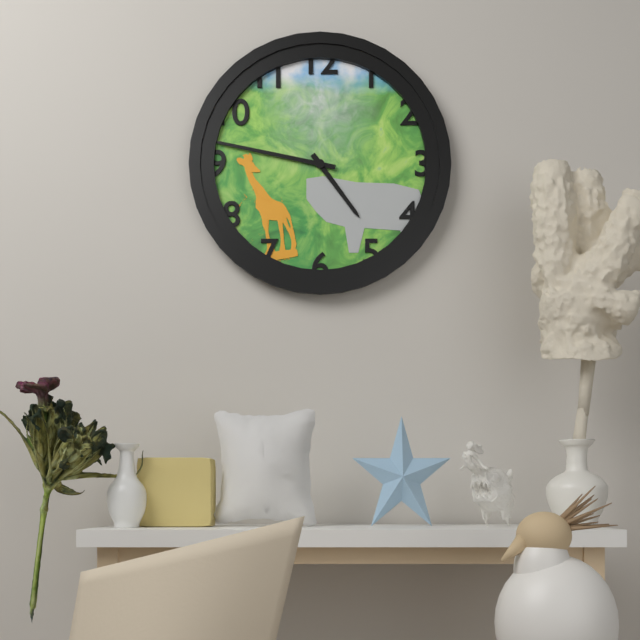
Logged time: 4 h 47 min
